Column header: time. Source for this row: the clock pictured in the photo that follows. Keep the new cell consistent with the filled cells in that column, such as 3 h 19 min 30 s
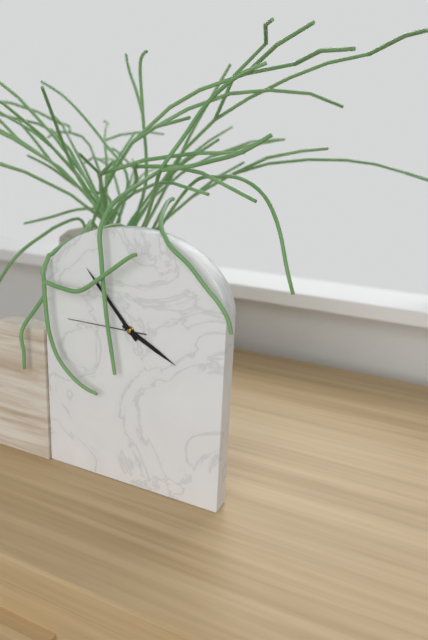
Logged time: 3 h 53 min 45 s
